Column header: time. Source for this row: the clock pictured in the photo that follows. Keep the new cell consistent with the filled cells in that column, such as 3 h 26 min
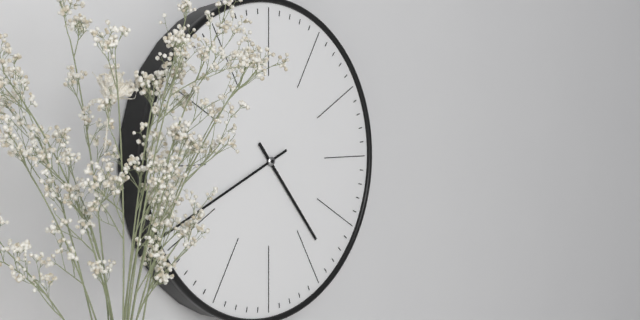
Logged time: 4 h 41 min
